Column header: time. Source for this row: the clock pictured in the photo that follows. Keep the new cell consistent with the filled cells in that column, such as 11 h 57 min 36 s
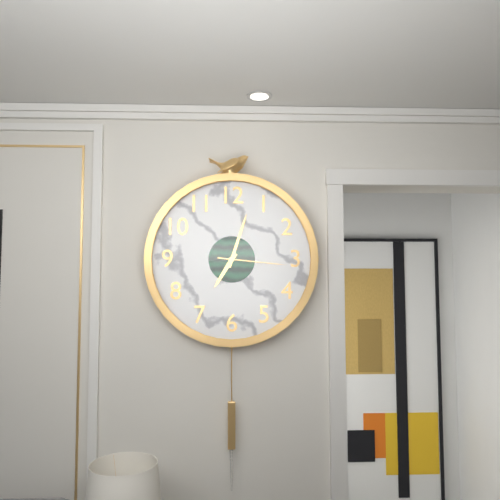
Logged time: 7 h 03 min 16 s
